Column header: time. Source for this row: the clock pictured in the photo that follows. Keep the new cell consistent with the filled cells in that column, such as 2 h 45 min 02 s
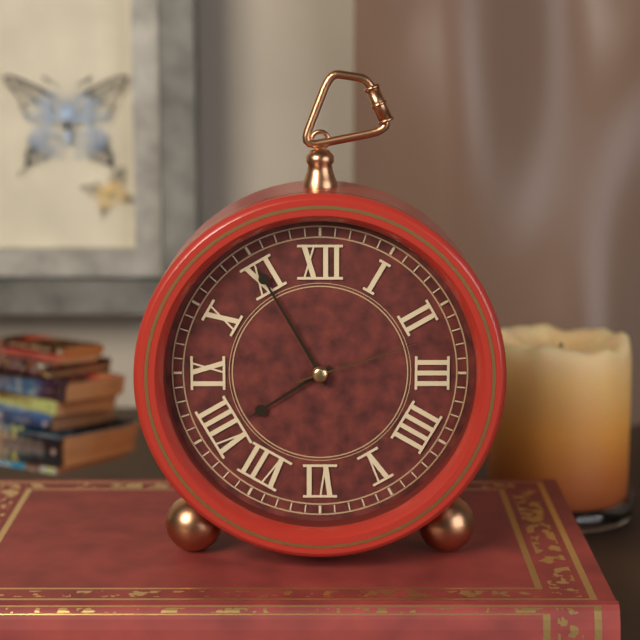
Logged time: 7 h 55 min 12 s
